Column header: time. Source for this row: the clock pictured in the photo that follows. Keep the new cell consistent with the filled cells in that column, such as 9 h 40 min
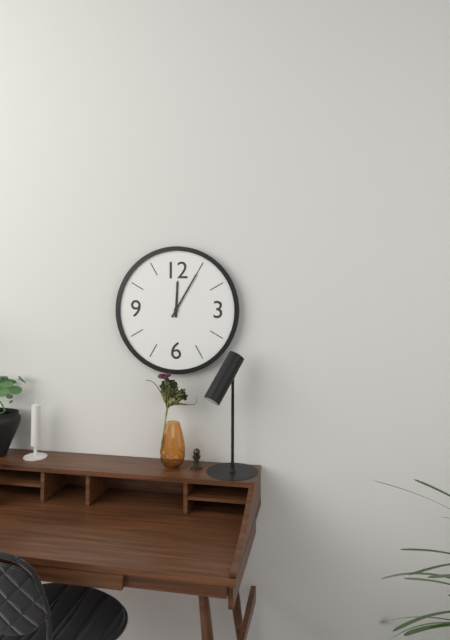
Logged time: 12 h 05 min
